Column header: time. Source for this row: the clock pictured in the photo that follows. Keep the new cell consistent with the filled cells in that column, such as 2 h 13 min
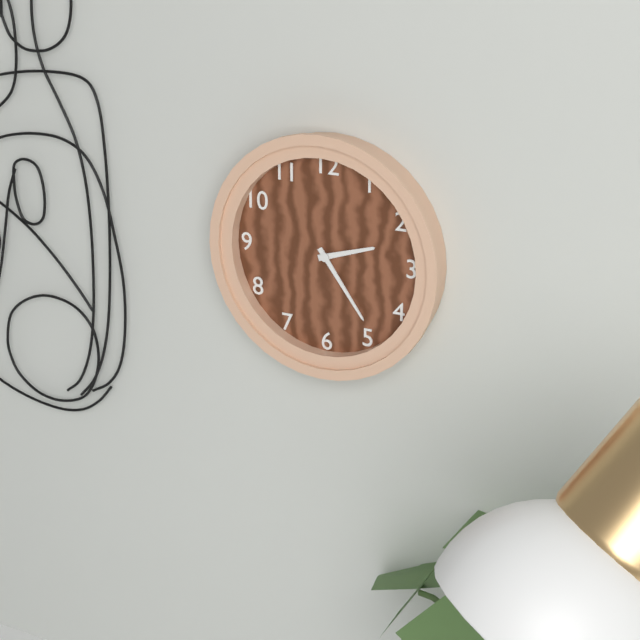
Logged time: 2 h 24 min
